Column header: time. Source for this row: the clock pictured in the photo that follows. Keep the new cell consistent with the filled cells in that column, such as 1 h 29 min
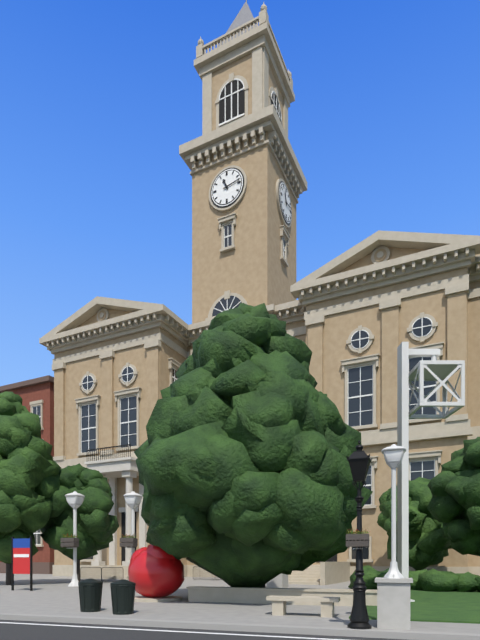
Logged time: 11 h 13 min
